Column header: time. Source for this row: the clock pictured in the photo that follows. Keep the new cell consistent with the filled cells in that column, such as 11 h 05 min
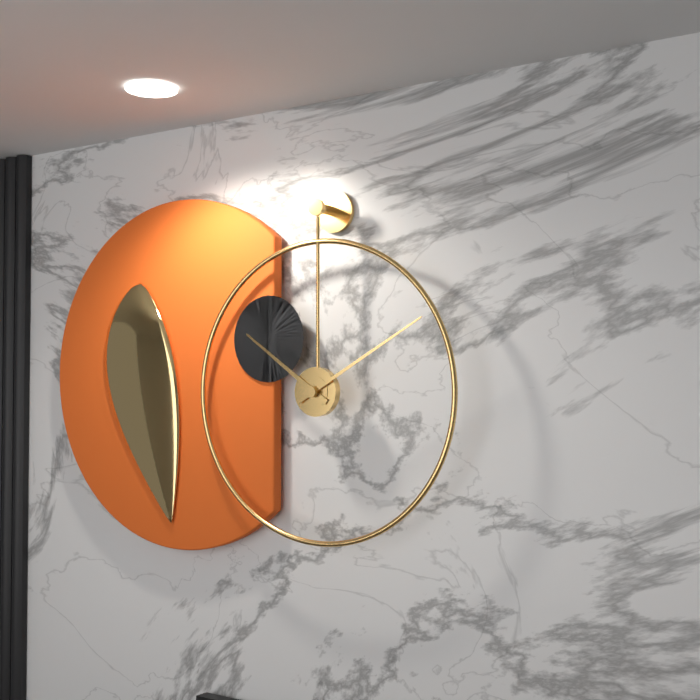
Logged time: 10 h 10 min
